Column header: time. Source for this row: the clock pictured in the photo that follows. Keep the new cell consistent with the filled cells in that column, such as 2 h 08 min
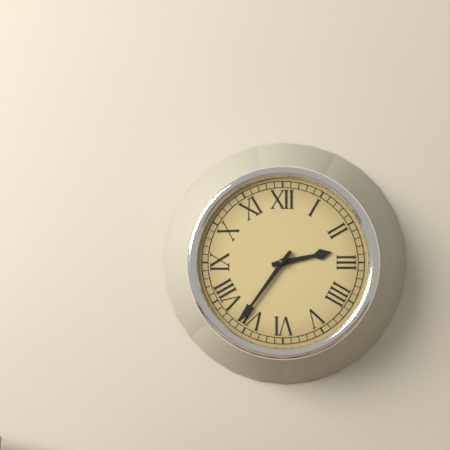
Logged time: 2 h 36 min
